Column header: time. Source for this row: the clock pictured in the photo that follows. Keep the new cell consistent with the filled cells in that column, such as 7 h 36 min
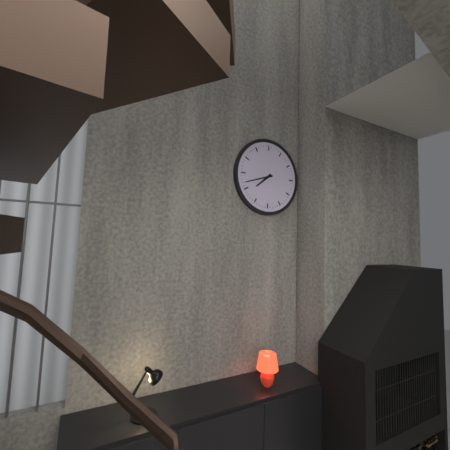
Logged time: 7 h 42 min
